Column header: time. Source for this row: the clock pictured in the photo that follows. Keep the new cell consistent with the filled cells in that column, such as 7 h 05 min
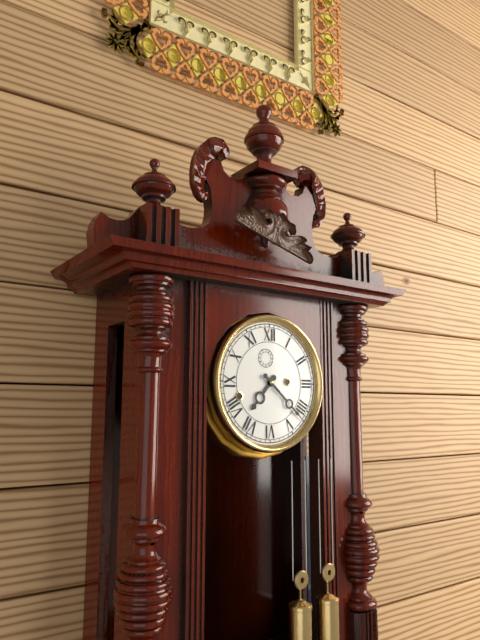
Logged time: 7 h 22 min
